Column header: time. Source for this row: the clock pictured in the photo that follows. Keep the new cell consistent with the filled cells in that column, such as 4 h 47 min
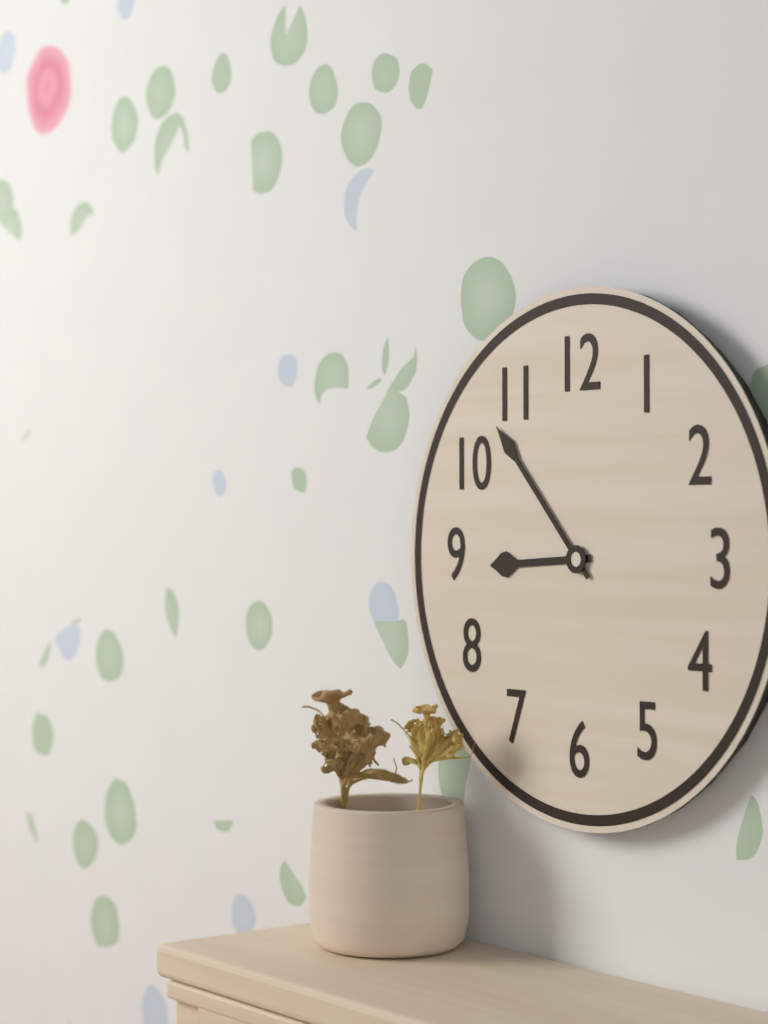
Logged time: 8 h 53 min
